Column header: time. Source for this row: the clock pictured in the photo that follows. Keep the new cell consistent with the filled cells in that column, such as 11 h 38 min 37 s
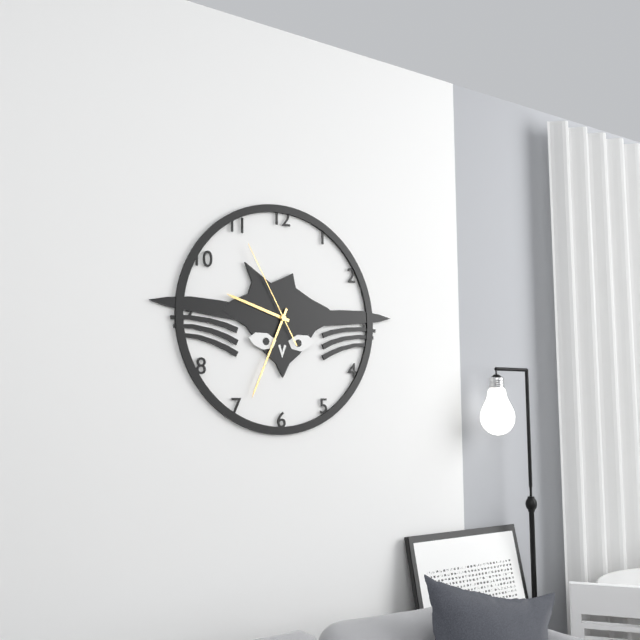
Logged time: 9 h 34 min 55 s
